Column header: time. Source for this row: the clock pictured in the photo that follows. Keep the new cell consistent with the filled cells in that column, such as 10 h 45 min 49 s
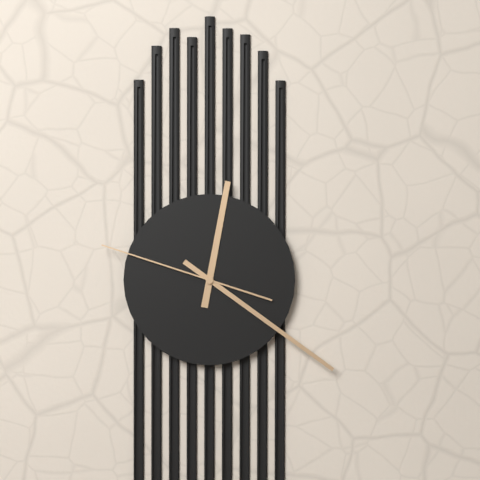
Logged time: 12 h 21 min 48 s
